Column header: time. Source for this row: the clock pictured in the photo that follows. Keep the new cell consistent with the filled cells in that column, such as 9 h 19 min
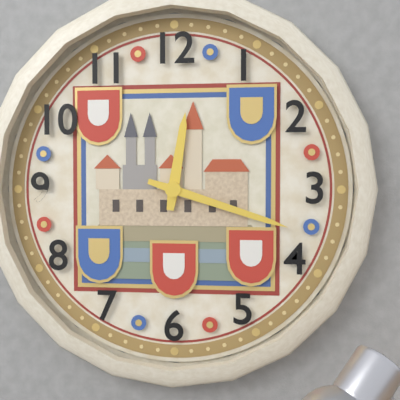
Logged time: 12 h 18 min
